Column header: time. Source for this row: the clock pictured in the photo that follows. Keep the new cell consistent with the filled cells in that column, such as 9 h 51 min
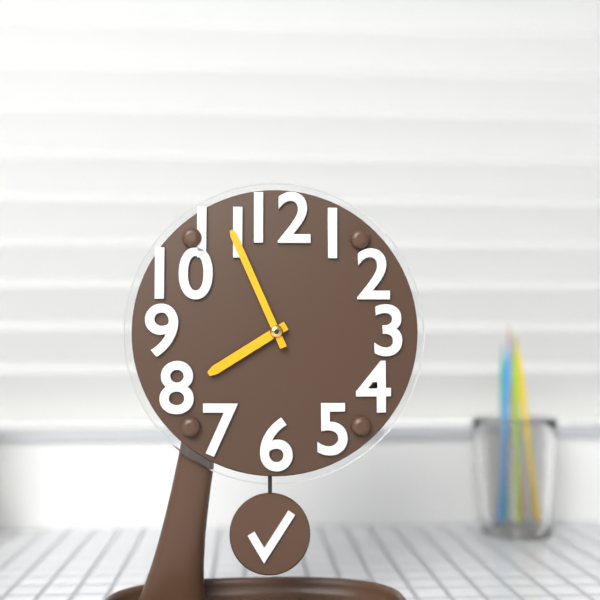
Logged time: 7 h 56 min
